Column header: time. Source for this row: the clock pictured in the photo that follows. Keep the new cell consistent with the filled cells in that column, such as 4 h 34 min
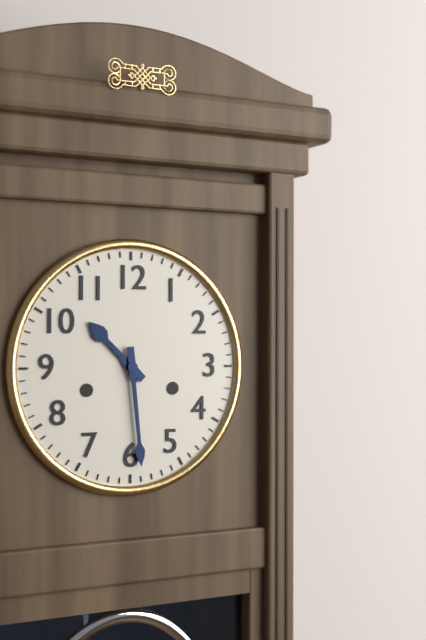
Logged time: 10 h 29 min
